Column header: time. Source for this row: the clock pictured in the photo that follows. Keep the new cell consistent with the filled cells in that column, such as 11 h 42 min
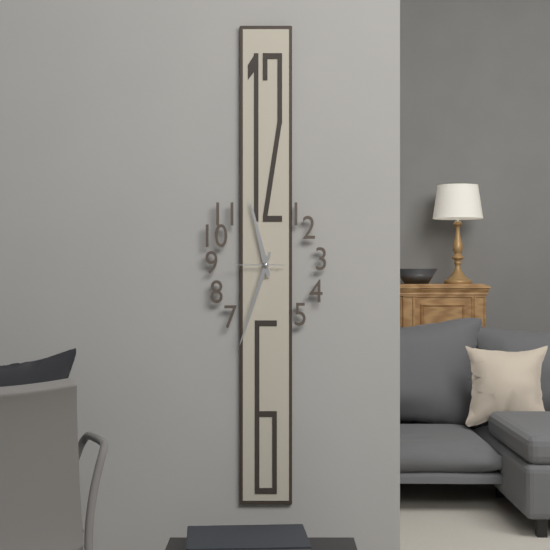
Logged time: 11 h 33 min
